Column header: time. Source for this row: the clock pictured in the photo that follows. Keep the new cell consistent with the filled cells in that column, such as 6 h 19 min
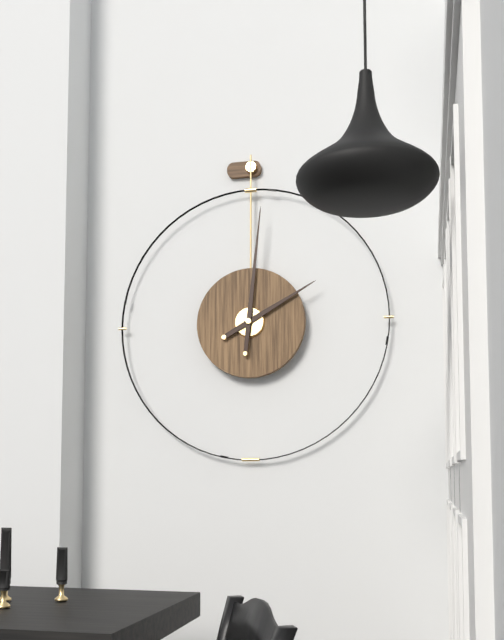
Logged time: 2 h 01 min
